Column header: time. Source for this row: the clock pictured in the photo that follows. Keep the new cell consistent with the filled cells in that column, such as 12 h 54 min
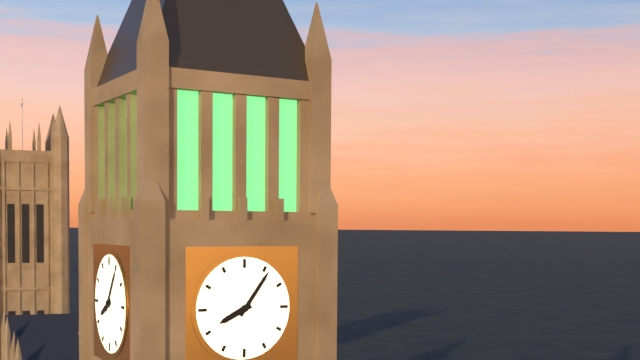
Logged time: 8 h 06 min
